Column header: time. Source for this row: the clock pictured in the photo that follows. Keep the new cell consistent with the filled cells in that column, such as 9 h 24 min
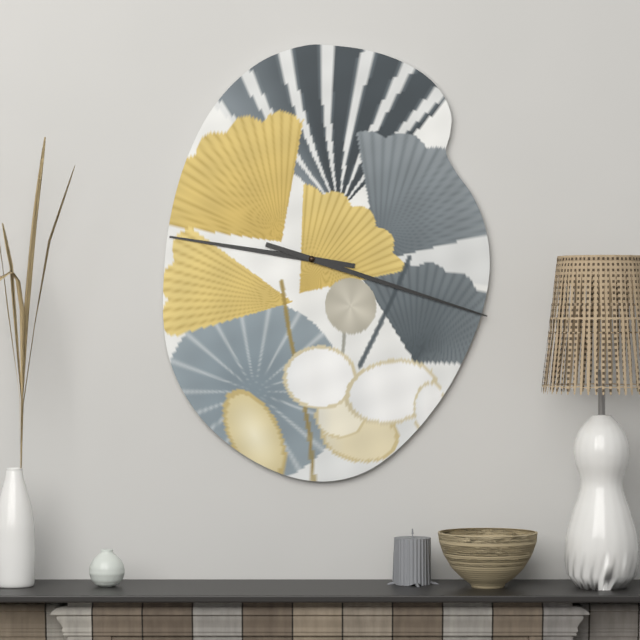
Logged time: 9 h 18 min
